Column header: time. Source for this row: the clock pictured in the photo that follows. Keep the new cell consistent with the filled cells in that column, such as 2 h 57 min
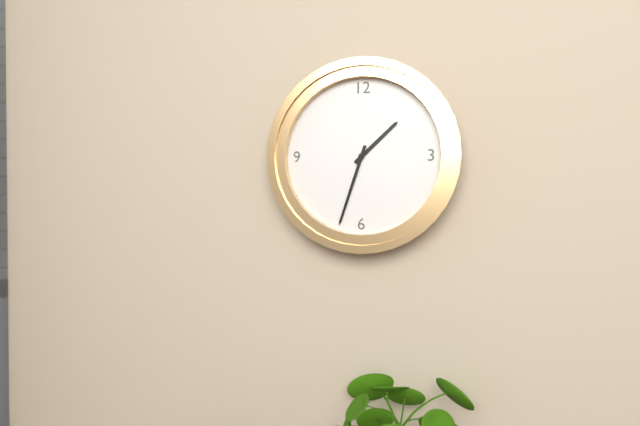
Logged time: 1 h 33 min
